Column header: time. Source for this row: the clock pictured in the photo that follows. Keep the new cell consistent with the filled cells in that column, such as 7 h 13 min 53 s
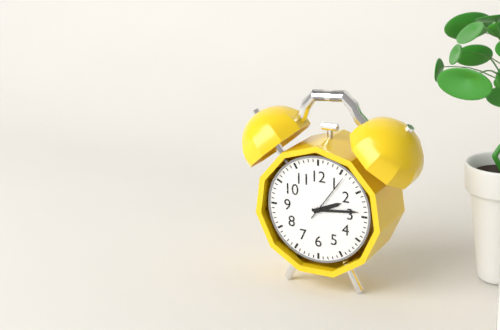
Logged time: 2 h 14 min 06 s
